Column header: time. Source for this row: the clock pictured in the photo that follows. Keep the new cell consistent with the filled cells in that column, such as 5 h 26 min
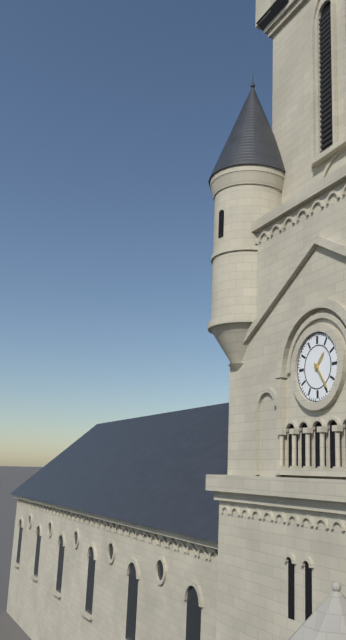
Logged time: 1 h 24 min
